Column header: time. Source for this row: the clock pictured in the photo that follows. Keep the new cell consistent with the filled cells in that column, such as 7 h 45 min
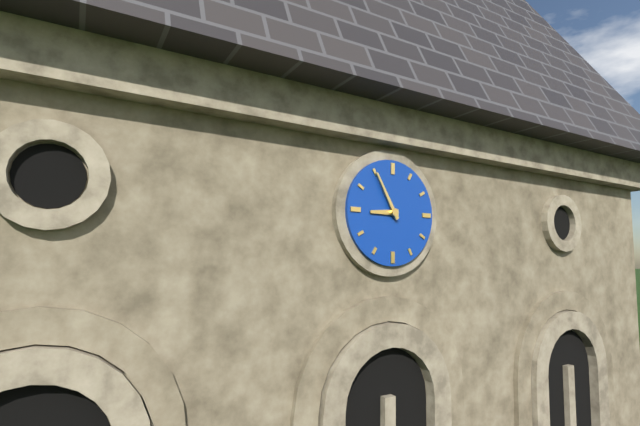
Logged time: 8 h 55 min
